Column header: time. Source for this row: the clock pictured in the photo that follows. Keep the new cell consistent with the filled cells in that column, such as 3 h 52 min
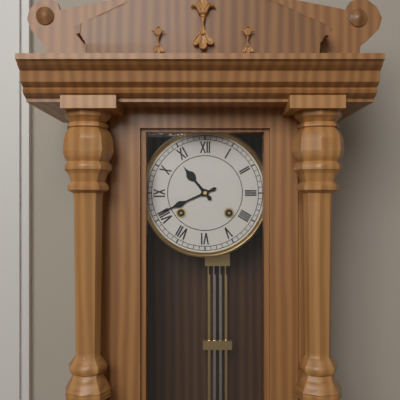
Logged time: 10 h 41 min
